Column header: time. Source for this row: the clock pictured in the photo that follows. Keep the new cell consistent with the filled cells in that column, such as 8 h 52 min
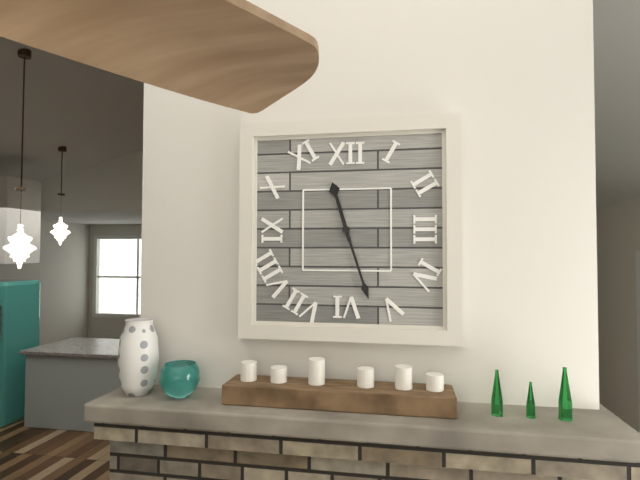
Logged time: 11 h 27 min
